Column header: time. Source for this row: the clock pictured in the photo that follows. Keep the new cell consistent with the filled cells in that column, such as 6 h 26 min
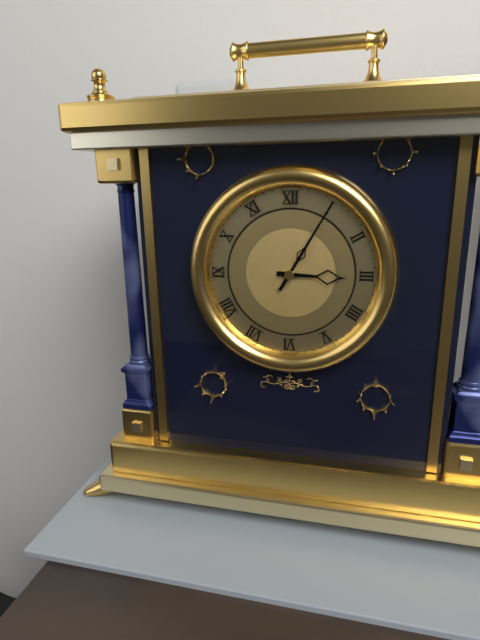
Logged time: 3 h 05 min
